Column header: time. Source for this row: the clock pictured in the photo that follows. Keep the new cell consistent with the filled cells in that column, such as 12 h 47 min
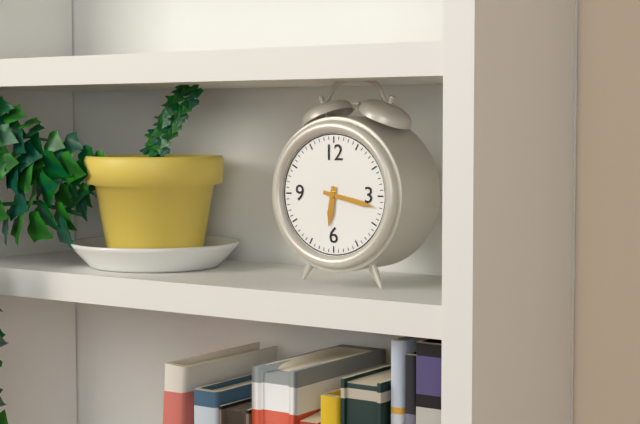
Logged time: 6 h 17 min
